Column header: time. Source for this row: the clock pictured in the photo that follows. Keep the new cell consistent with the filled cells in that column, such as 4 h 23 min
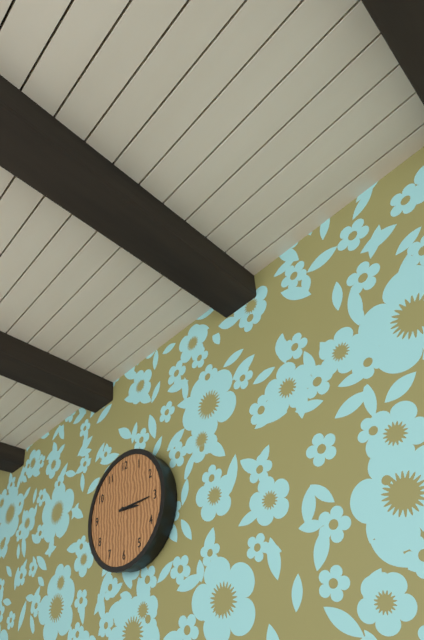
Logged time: 3 h 15 min
